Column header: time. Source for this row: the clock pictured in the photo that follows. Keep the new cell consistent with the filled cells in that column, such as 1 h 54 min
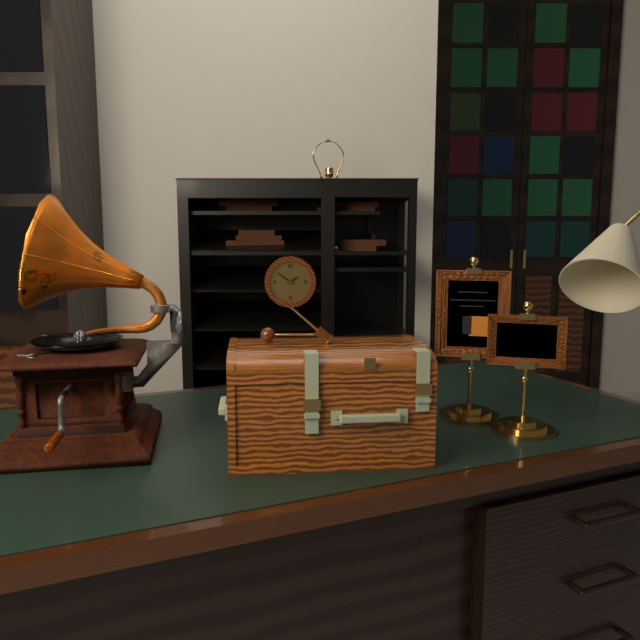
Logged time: 1 h 51 min
